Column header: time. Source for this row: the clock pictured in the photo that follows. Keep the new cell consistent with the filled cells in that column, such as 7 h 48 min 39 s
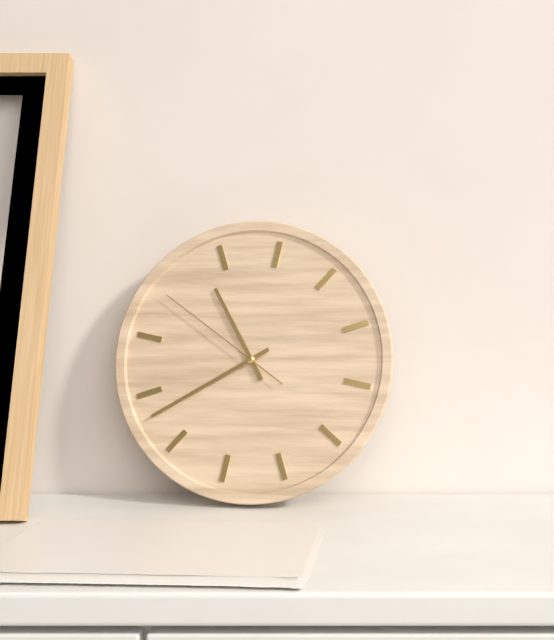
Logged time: 10 h 38 min 49 s
